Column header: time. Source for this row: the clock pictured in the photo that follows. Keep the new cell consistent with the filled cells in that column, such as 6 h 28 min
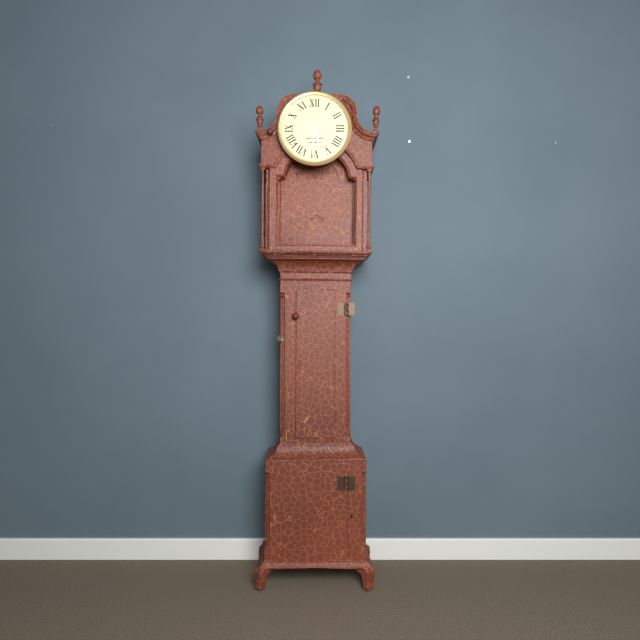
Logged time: 5 h 31 min
